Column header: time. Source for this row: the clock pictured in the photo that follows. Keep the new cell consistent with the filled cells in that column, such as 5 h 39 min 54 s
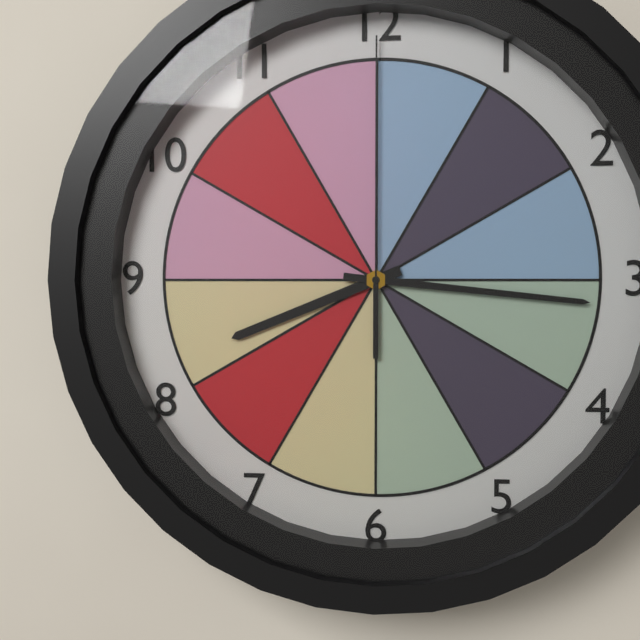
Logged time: 8 h 16 min 00 s
